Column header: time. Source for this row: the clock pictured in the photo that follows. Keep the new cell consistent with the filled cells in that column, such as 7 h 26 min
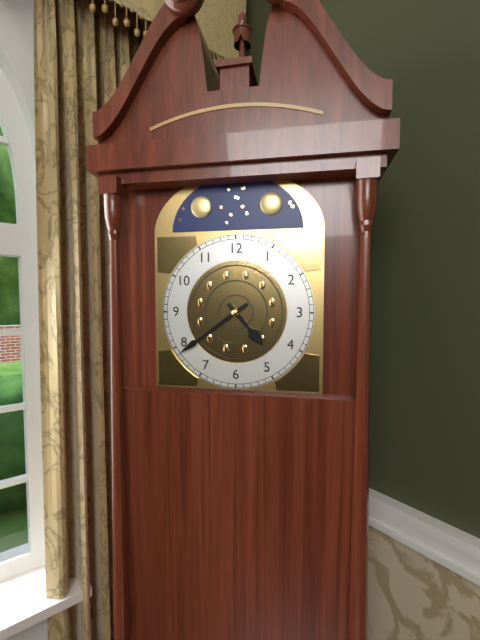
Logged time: 4 h 39 min
